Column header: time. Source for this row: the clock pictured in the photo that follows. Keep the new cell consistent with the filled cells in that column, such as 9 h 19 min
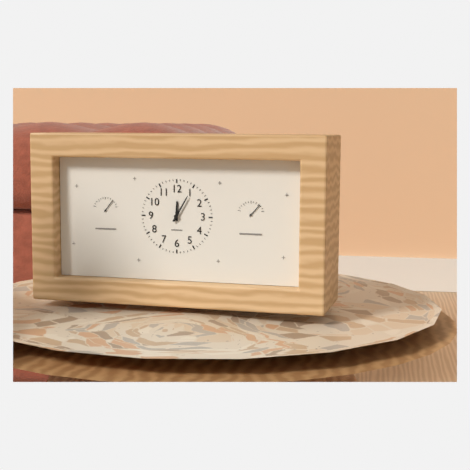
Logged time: 12 h 05 min
